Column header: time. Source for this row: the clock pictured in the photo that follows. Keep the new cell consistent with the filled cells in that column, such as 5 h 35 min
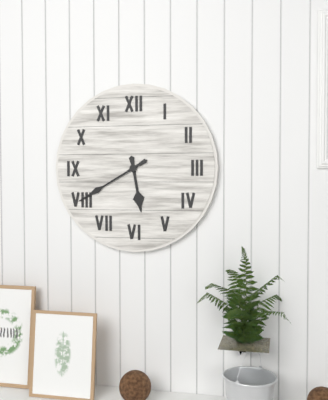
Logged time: 5 h 40 min
